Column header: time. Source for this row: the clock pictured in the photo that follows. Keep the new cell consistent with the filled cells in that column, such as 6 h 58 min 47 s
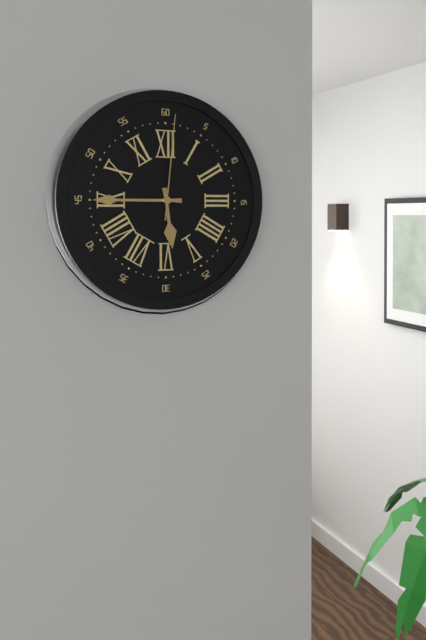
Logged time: 5 h 45 min 01 s
